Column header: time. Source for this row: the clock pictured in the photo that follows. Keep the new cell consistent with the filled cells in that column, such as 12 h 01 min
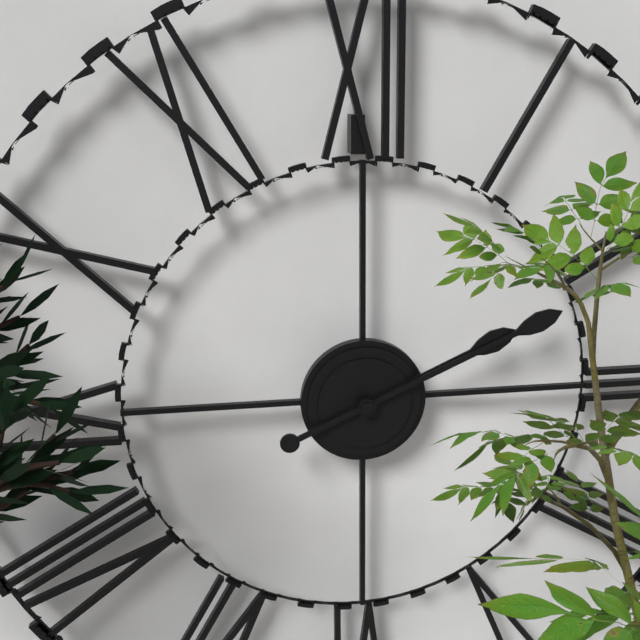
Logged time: 2 h 11 min
